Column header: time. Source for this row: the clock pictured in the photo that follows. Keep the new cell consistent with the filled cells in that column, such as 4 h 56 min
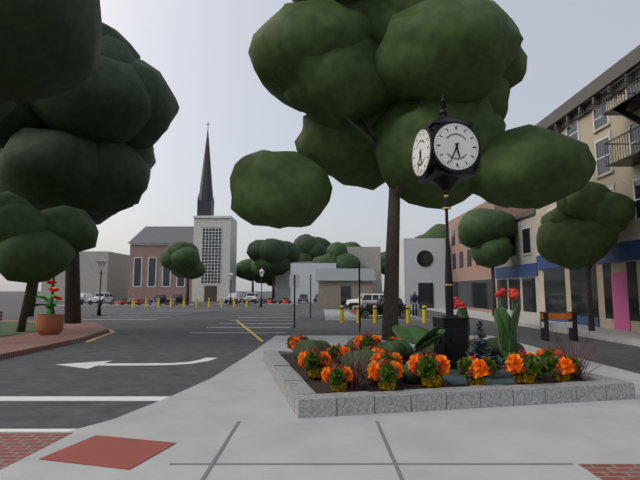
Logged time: 5 h 34 min
